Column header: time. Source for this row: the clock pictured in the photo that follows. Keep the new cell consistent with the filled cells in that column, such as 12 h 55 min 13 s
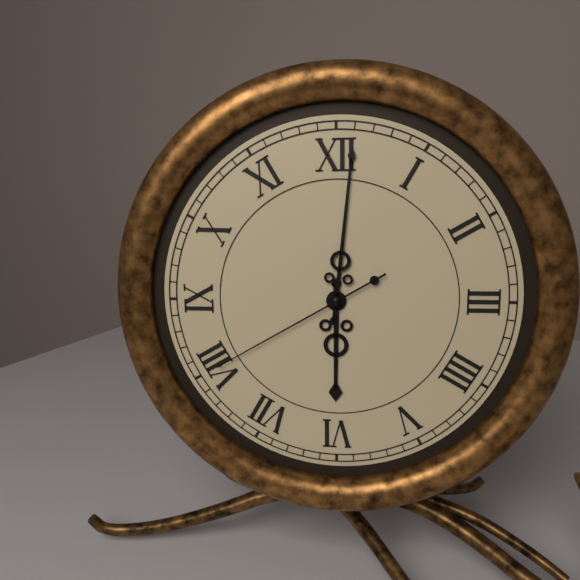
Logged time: 6 h 01 min 40 s
